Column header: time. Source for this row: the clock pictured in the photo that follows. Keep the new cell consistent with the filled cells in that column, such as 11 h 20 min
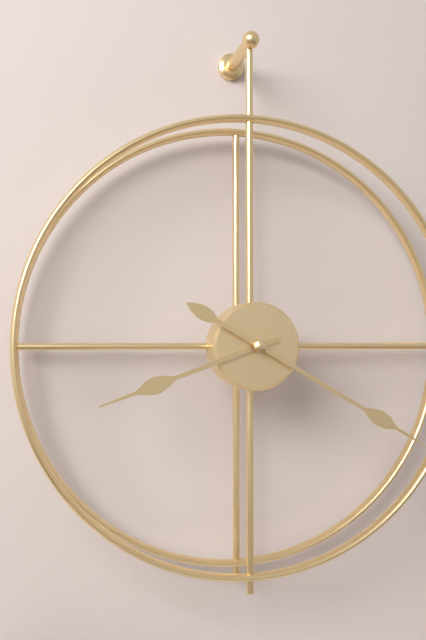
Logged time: 8 h 20 min
